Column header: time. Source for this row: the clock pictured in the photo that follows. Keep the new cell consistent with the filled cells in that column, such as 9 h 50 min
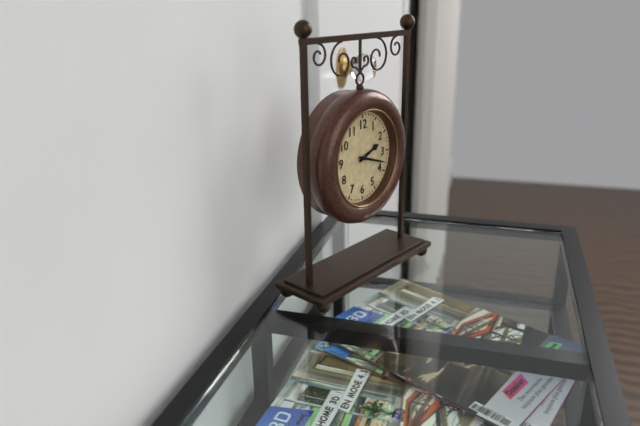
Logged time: 2 h 18 min
